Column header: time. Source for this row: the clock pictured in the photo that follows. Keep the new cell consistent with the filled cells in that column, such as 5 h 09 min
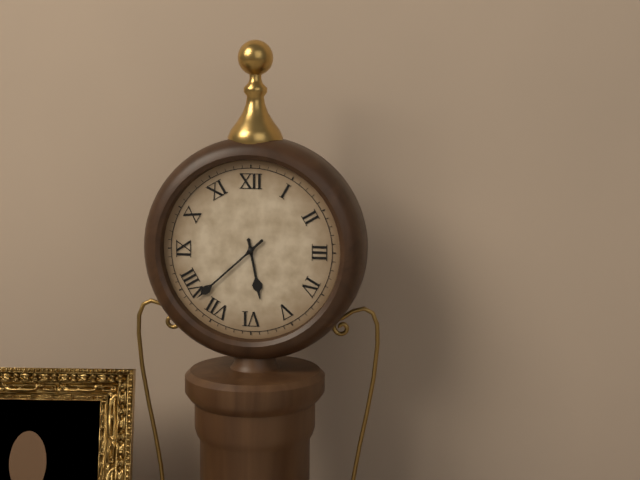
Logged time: 5 h 38 min
